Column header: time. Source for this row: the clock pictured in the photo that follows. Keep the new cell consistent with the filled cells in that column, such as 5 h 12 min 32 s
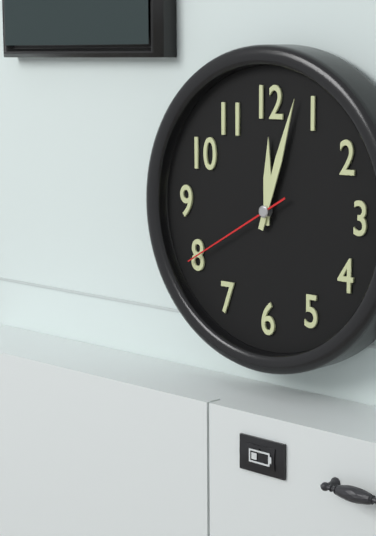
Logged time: 12 h 03 min 40 s
